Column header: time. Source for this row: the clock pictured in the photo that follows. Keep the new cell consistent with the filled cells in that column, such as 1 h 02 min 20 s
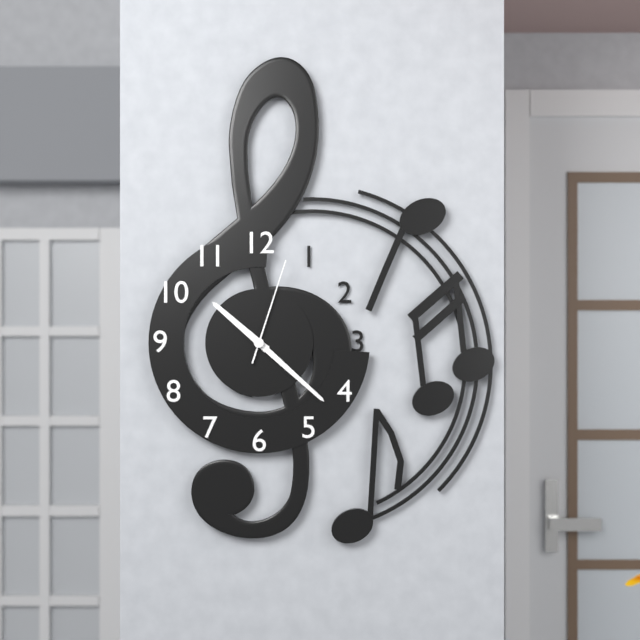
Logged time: 10 h 22 min 03 s
